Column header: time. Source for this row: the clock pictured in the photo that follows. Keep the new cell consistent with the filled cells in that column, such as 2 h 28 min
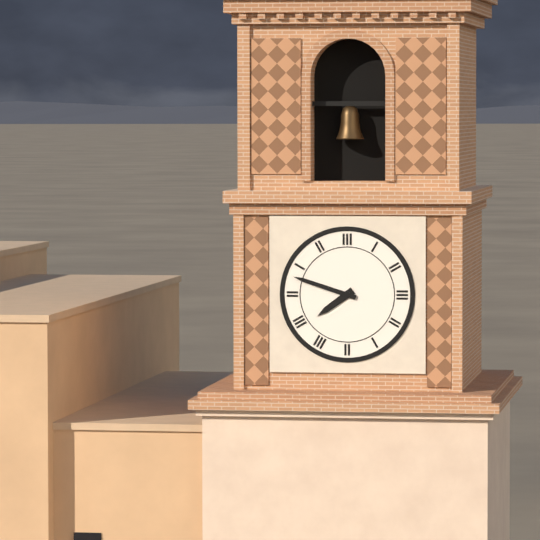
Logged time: 7 h 48 min
